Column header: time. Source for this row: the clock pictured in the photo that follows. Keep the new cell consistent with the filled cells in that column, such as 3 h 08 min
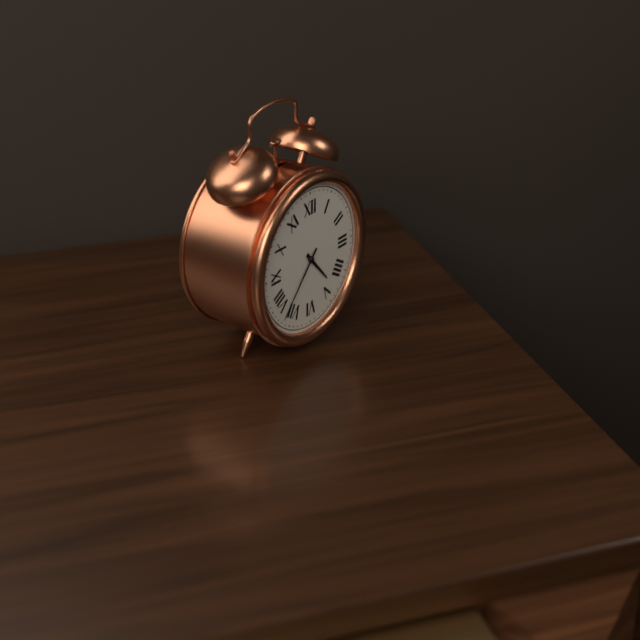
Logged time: 4 h 37 min
